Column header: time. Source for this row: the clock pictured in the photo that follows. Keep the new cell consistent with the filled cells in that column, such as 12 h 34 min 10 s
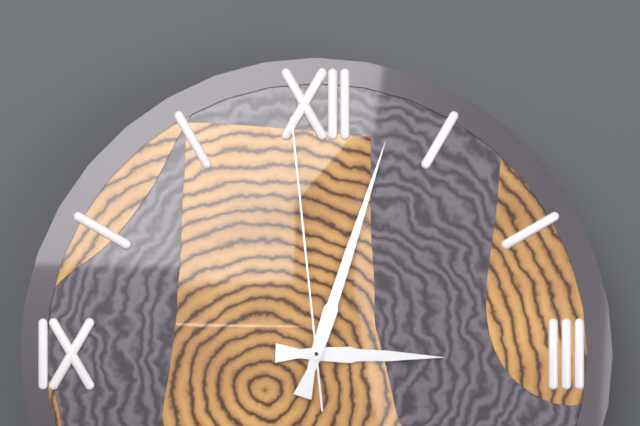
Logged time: 3 h 03 min 59 s
